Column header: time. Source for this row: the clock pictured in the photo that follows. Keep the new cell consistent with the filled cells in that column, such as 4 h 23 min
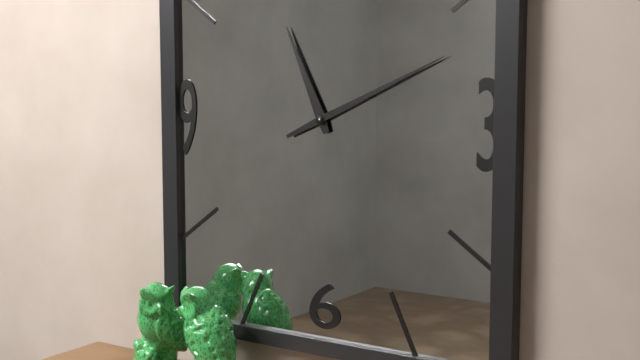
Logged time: 11 h 11 min
